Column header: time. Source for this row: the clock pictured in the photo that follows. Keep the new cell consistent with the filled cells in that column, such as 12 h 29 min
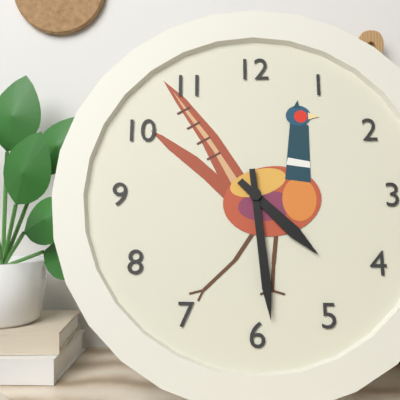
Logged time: 4 h 29 min
